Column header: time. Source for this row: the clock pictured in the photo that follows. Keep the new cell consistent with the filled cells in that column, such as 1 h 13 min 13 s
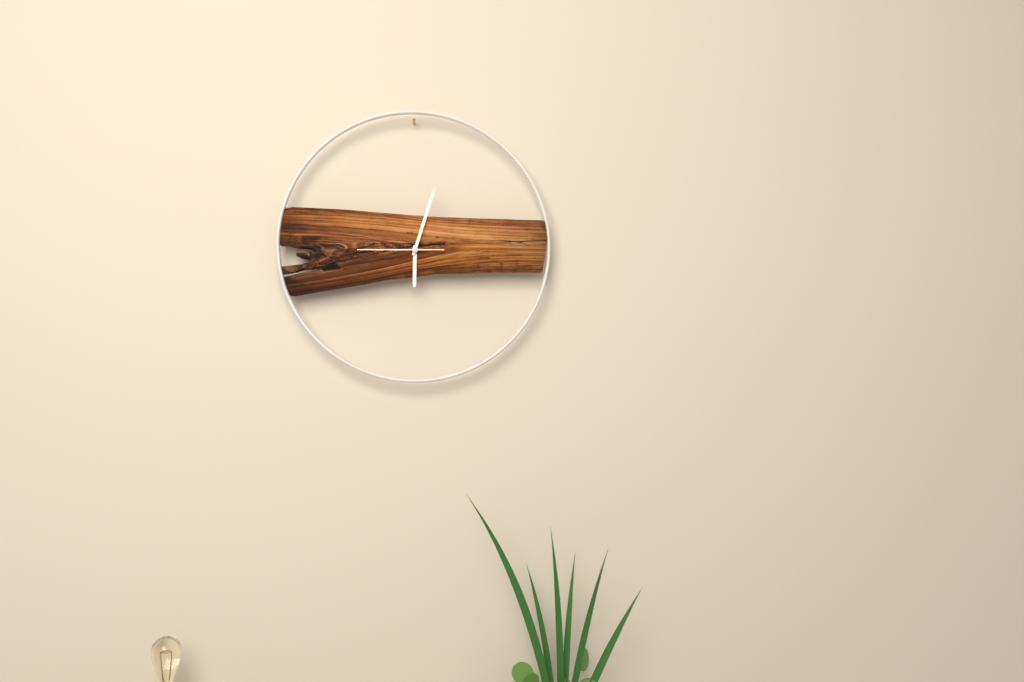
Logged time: 6 h 03 min 45 s
